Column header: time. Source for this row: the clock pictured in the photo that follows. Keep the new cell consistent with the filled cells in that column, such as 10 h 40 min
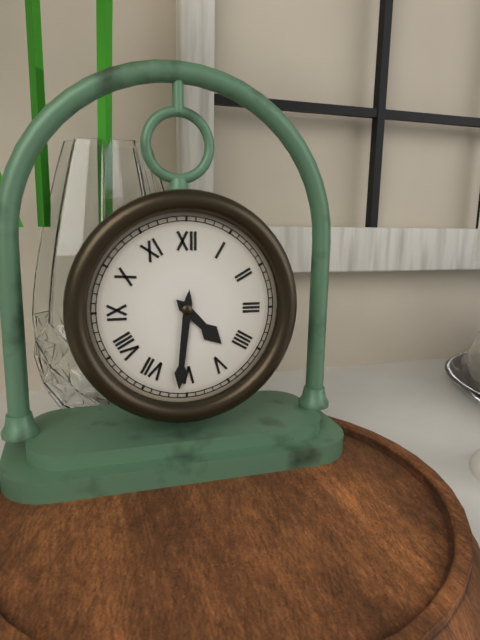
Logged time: 4 h 31 min
